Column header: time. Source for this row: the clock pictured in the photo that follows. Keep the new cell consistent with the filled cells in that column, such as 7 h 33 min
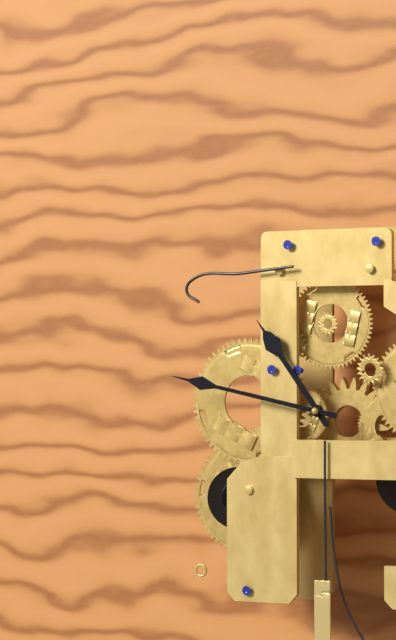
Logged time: 10 h 47 min
